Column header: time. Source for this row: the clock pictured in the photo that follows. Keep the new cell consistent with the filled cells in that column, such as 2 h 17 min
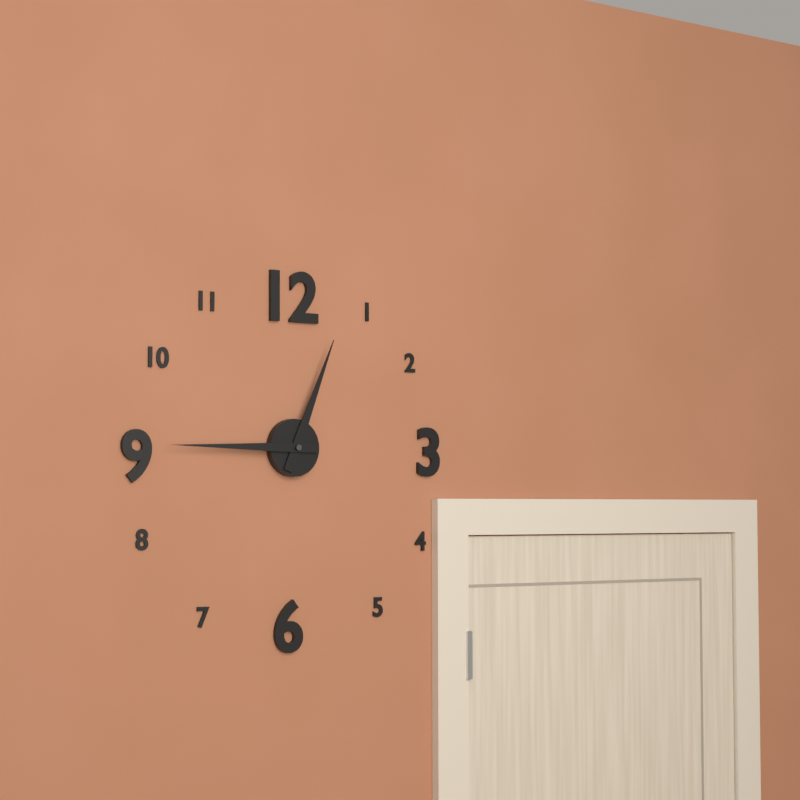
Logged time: 12 h 45 min
